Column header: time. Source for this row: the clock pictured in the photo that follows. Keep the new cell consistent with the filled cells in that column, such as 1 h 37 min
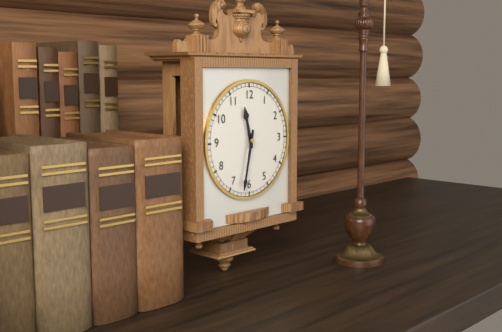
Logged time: 11 h 32 min
